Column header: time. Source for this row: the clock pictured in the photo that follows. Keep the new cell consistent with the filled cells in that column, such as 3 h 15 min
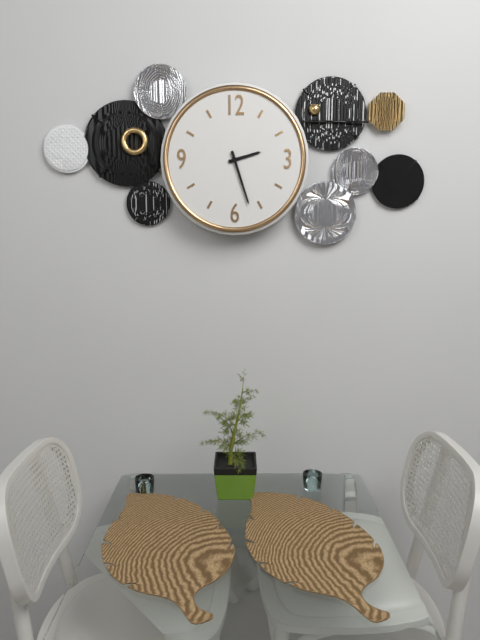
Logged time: 2 h 27 min
